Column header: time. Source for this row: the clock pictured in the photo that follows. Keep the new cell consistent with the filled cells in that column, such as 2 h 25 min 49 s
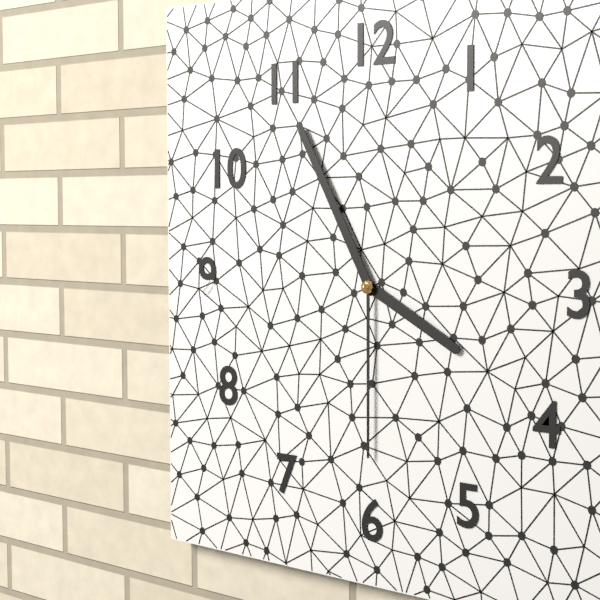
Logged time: 3 h 55 min 30 s
